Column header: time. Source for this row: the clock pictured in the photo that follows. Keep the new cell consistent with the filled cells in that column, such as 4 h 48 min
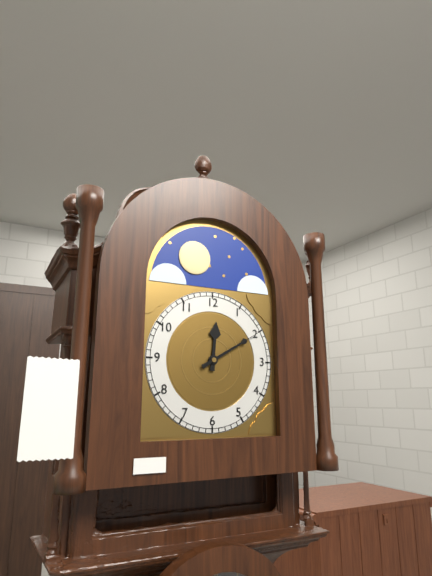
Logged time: 12 h 10 min
